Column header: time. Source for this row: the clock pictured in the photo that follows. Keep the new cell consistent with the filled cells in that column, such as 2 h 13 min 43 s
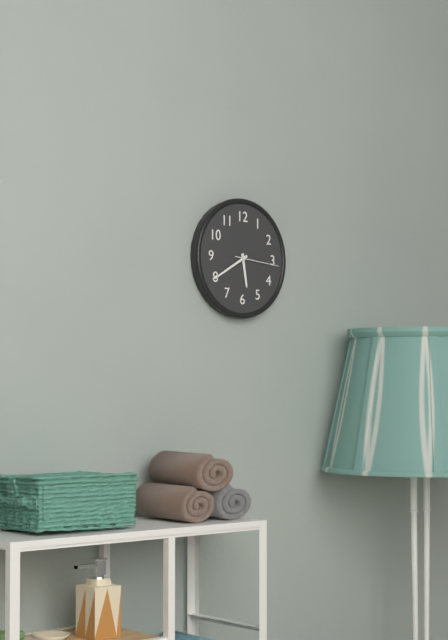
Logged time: 5 h 40 min 16 s
